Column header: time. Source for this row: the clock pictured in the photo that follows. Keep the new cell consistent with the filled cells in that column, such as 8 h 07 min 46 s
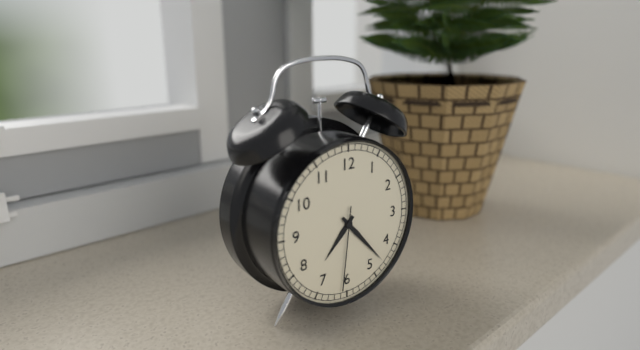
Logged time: 7 h 23 min 31 s
